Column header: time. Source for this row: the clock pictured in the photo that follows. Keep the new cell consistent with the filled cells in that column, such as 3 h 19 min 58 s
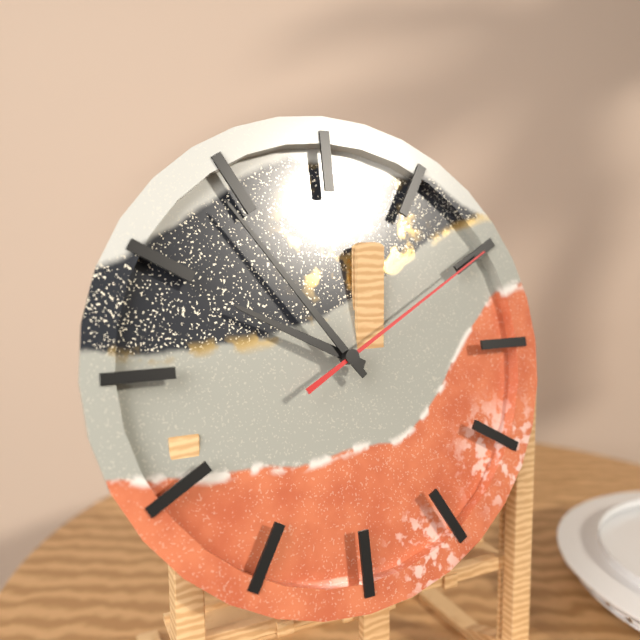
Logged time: 9 h 54 min 10 s
